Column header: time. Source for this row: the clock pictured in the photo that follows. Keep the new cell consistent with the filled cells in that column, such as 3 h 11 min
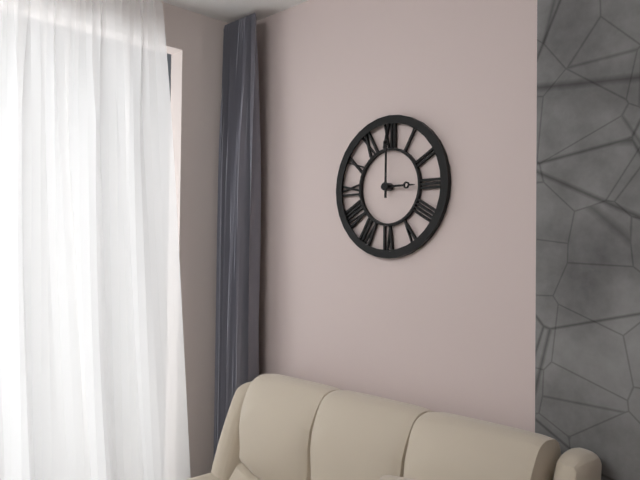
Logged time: 3 h 00 min
